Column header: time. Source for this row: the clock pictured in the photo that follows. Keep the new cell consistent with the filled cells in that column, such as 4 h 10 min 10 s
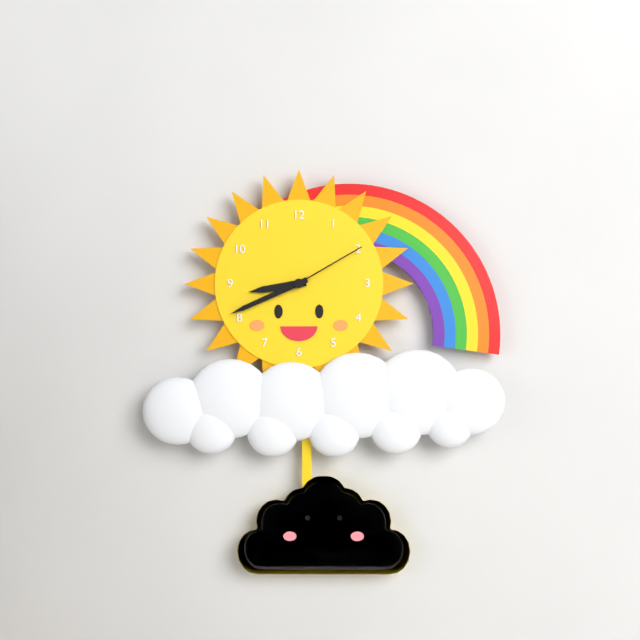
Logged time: 8 h 41 min 10 s
